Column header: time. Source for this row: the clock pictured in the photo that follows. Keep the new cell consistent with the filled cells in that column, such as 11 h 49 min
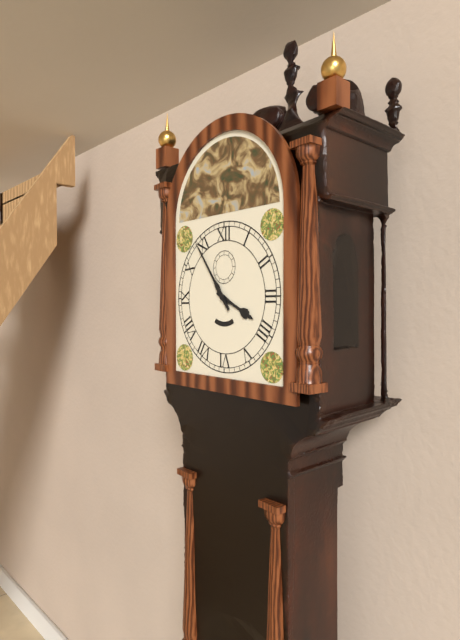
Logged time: 3 h 54 min
